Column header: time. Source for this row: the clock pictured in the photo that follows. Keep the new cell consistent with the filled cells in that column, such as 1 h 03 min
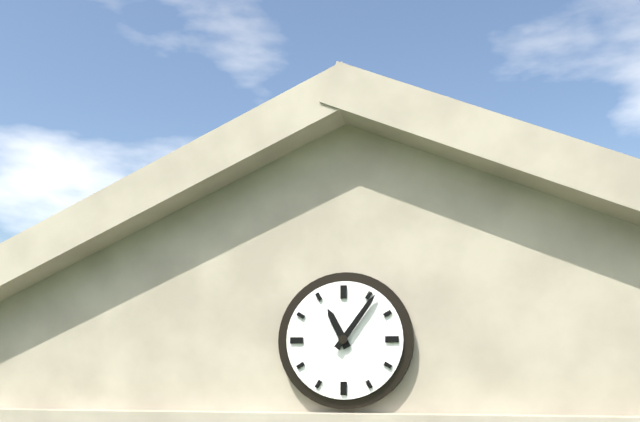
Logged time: 11 h 06 min
